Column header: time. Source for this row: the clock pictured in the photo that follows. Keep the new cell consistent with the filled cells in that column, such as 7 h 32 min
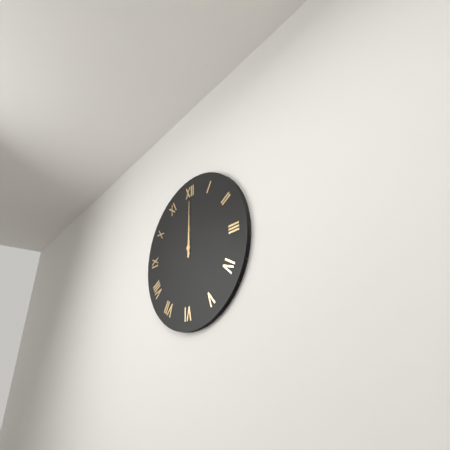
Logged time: 12 h 00 min
